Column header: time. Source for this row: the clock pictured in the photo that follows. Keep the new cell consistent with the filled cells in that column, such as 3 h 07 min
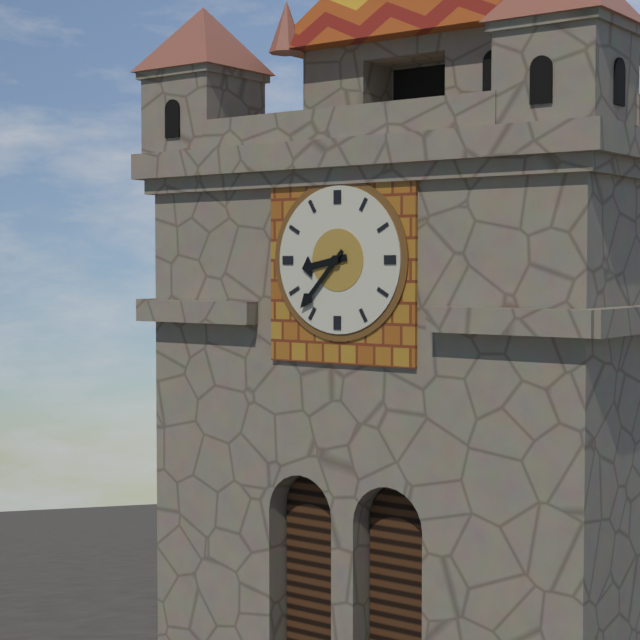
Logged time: 8 h 37 min
